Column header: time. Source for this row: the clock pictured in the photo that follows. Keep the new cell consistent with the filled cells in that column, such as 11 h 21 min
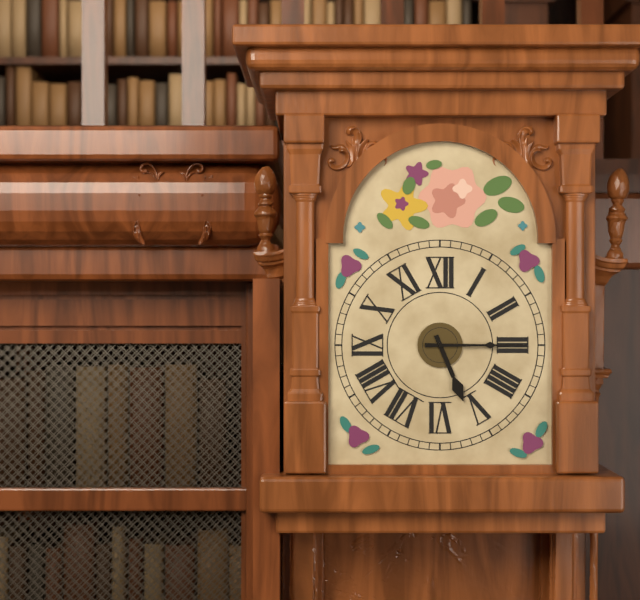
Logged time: 5 h 15 min
